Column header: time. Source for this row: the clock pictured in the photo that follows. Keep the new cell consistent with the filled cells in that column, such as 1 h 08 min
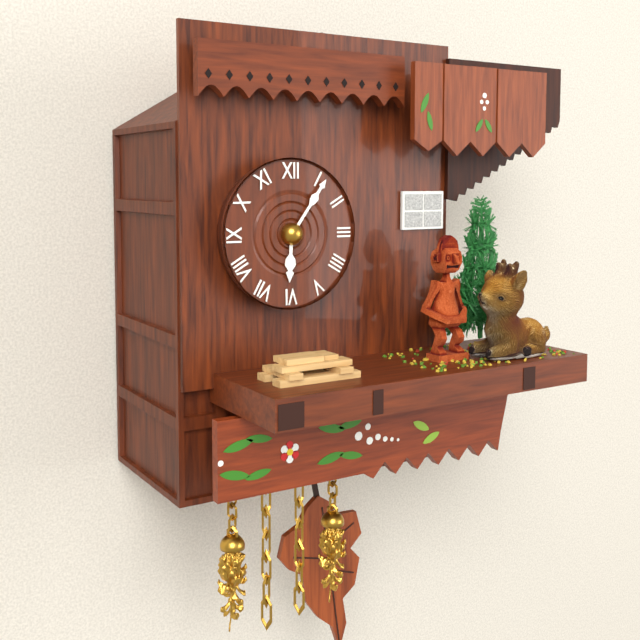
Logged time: 6 h 06 min
